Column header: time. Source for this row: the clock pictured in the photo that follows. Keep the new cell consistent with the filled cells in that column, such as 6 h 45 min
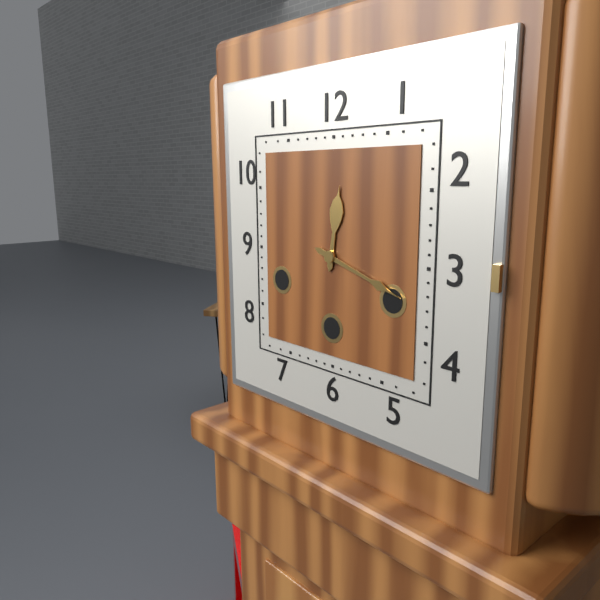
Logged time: 12 h 18 min
